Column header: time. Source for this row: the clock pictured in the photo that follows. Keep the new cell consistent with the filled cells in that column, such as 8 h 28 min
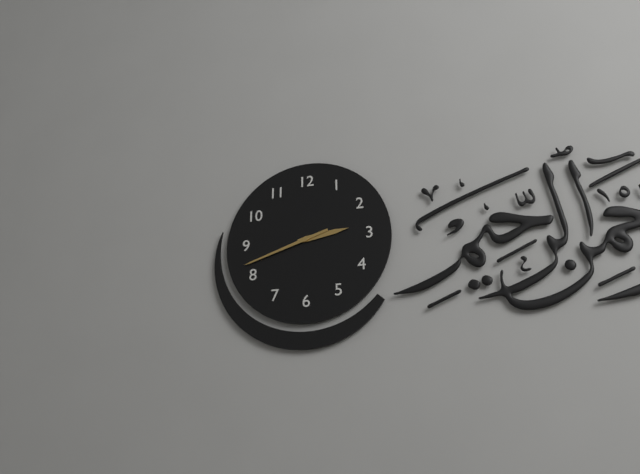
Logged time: 2 h 42 min
